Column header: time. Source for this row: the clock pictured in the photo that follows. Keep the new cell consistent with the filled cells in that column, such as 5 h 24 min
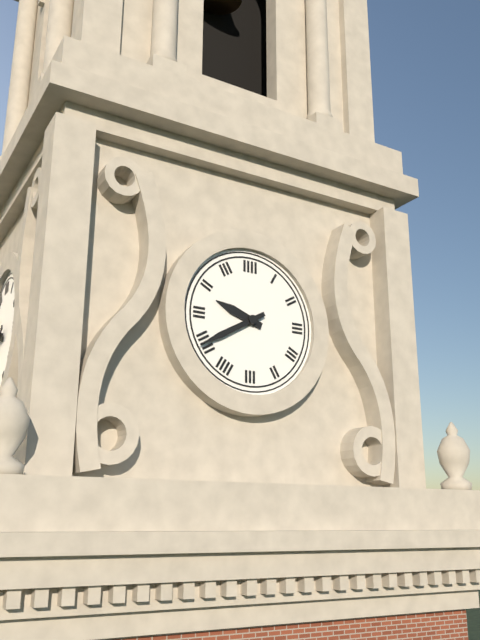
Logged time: 9 h 40 min
